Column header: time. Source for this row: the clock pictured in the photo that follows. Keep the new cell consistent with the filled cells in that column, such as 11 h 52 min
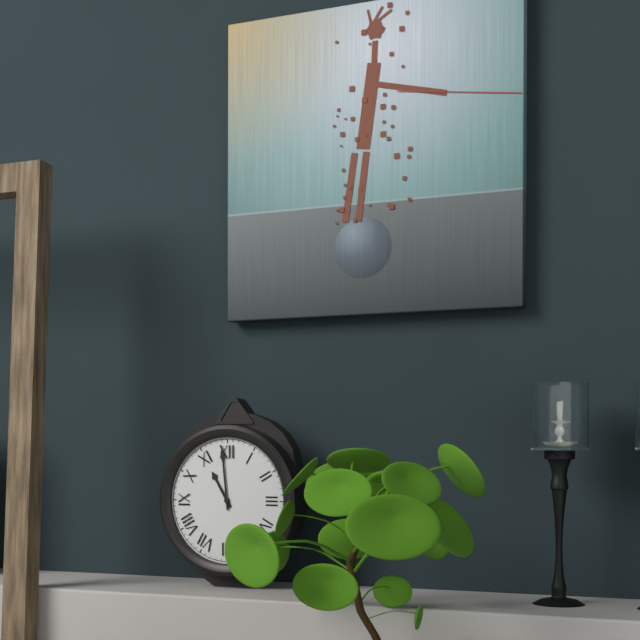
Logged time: 10 h 59 min
